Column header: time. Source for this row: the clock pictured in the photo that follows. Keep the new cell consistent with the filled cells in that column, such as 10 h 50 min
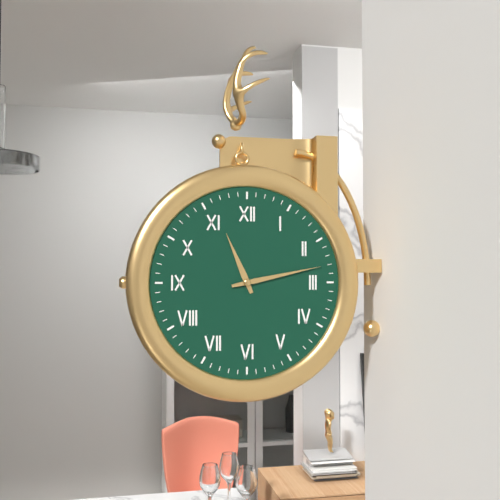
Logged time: 11 h 13 min
